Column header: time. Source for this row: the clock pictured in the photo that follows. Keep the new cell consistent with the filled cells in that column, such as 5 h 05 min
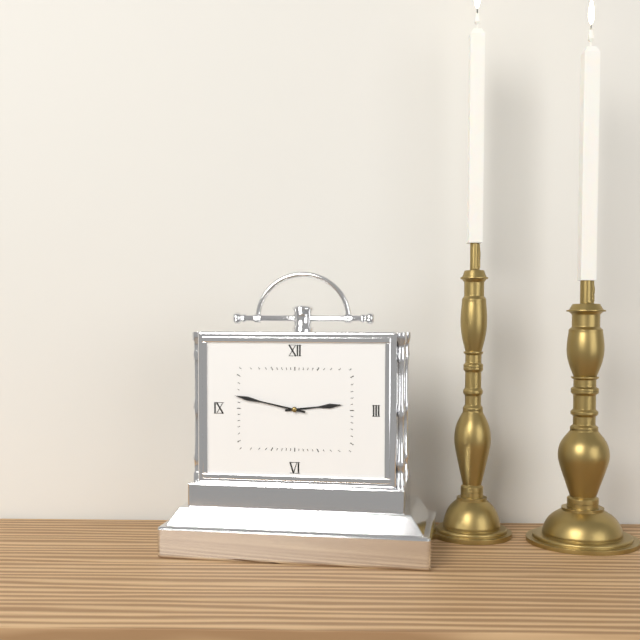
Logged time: 2 h 47 min
